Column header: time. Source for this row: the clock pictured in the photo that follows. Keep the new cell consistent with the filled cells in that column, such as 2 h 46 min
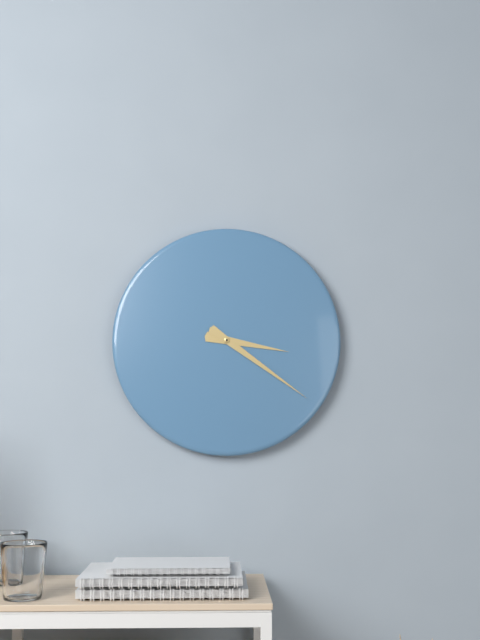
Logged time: 3 h 21 min
